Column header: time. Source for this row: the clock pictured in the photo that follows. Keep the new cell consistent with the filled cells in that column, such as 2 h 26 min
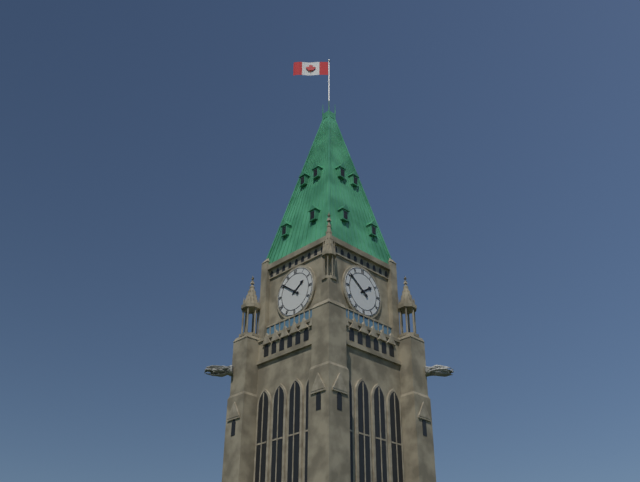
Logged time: 1 h 51 min
